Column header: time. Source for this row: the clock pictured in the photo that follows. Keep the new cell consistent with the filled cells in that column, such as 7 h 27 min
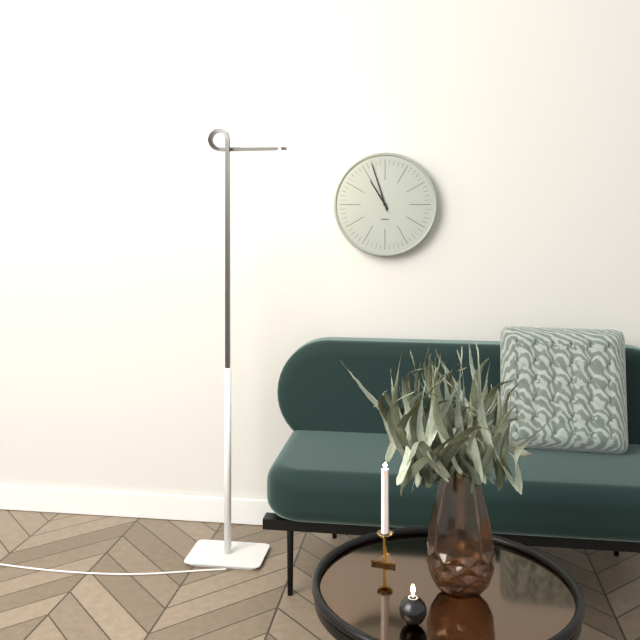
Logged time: 10 h 57 min
